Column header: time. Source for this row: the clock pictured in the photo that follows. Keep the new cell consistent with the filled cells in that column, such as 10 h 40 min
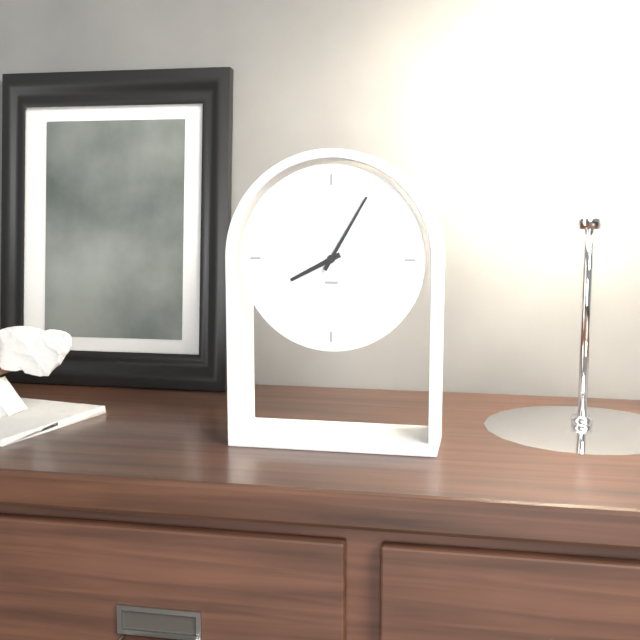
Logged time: 8 h 05 min
